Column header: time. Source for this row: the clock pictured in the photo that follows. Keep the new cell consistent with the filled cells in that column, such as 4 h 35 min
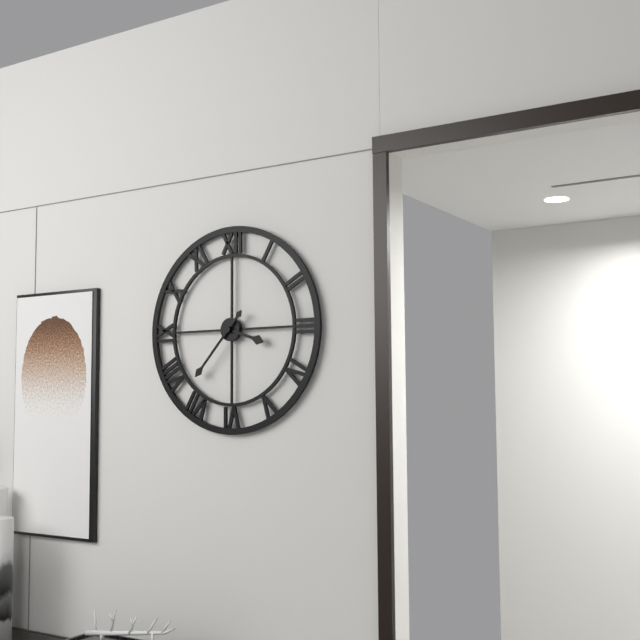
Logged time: 3 h 37 min
